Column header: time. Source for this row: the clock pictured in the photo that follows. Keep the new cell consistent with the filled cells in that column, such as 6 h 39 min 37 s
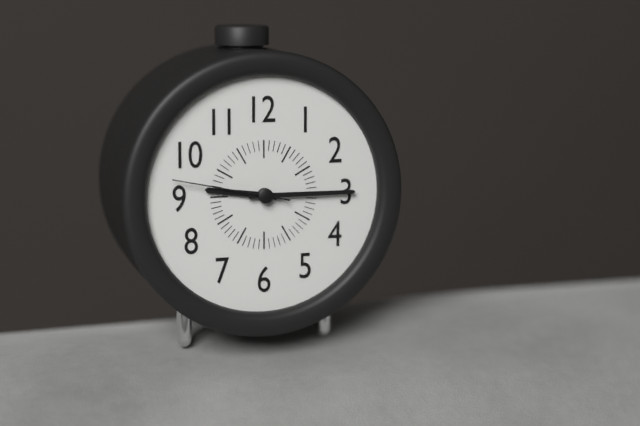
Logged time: 9 h 15 min 47 s
